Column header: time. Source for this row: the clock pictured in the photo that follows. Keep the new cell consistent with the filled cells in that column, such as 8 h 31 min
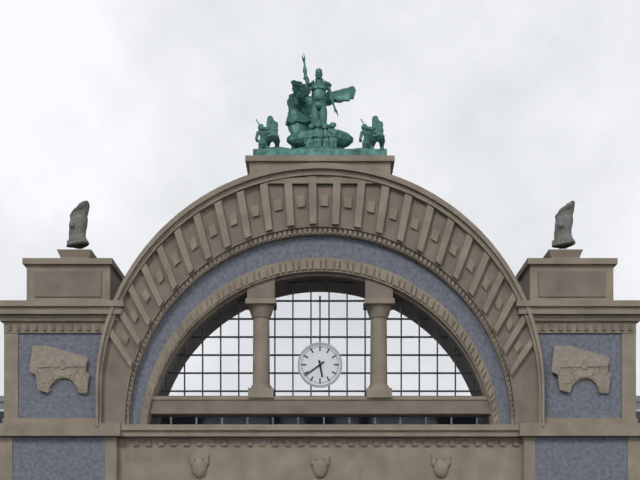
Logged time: 5 h 39 min
